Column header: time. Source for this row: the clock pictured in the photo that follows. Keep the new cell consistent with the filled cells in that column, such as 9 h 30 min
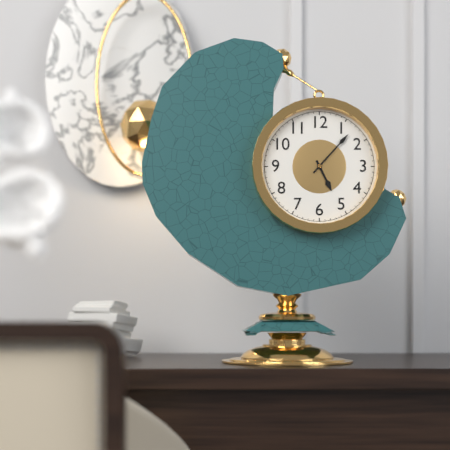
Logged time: 5 h 07 min
